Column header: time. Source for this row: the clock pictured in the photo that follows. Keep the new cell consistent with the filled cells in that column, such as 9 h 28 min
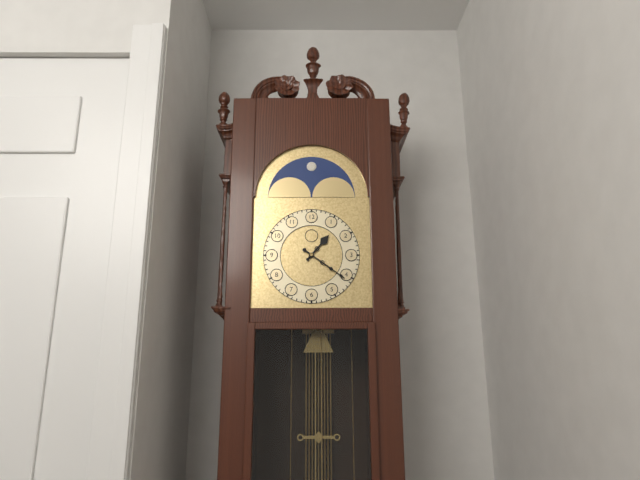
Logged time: 1 h 21 min
